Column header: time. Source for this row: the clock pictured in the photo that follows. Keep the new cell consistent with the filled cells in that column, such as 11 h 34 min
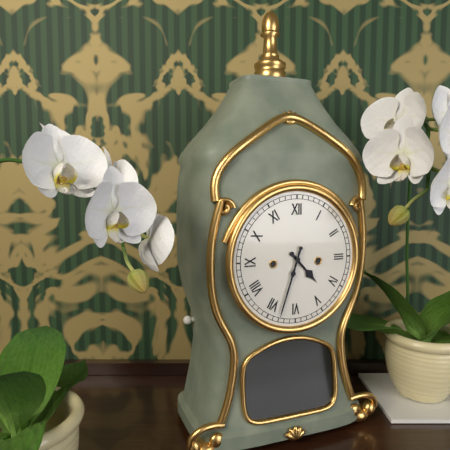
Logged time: 4 h 33 min
